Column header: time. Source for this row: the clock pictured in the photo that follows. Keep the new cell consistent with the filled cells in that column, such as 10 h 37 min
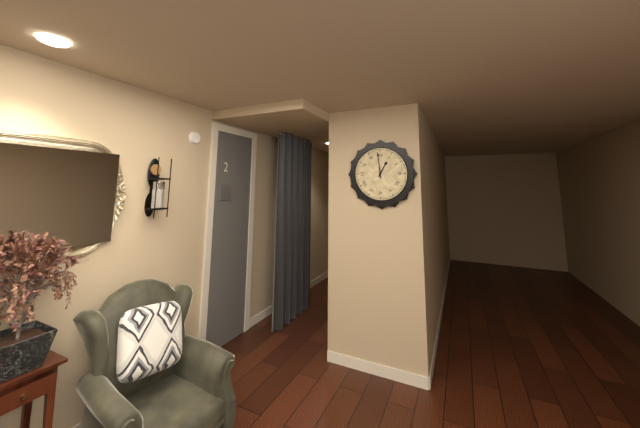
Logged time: 12 h 59 min
